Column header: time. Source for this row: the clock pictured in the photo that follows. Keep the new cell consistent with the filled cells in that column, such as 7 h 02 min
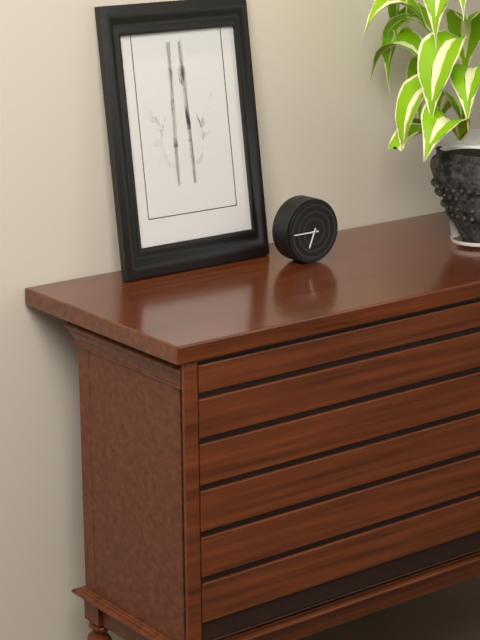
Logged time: 6 h 45 min
